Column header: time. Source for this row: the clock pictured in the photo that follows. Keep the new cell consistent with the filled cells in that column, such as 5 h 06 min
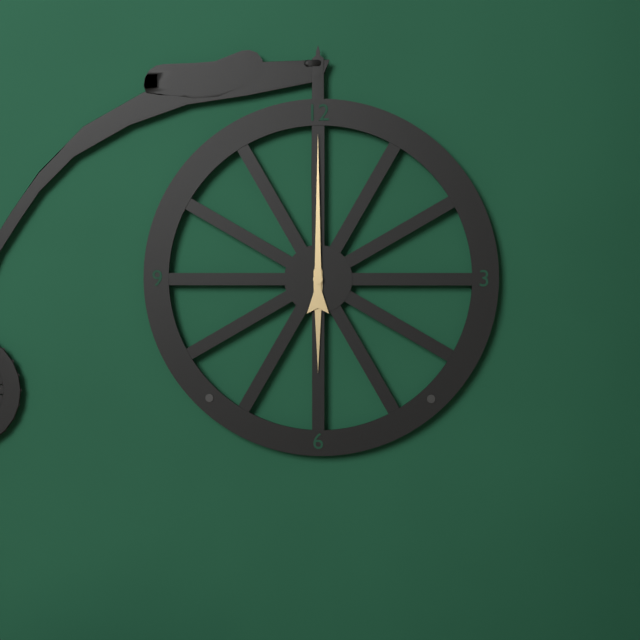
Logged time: 6 h 00 min
